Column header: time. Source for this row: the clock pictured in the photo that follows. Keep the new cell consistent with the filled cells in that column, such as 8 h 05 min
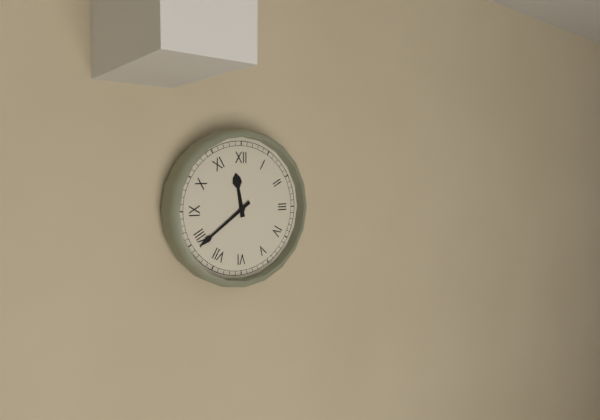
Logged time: 11 h 39 min
